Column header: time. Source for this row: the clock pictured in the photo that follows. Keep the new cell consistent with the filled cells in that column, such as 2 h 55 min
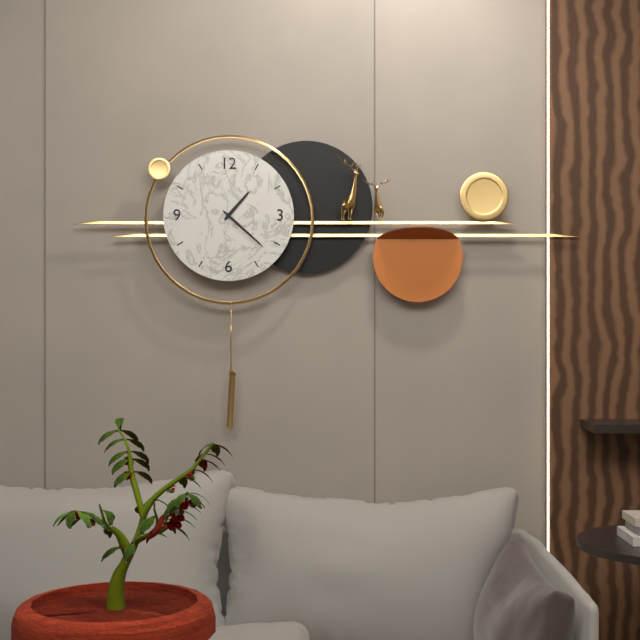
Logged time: 1 h 22 min
